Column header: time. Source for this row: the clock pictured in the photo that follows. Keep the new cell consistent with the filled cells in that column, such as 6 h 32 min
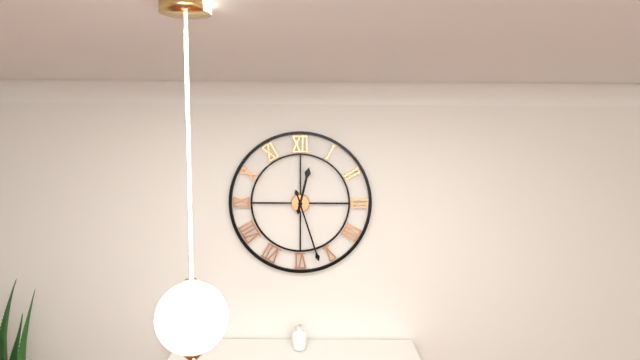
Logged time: 12 h 27 min
